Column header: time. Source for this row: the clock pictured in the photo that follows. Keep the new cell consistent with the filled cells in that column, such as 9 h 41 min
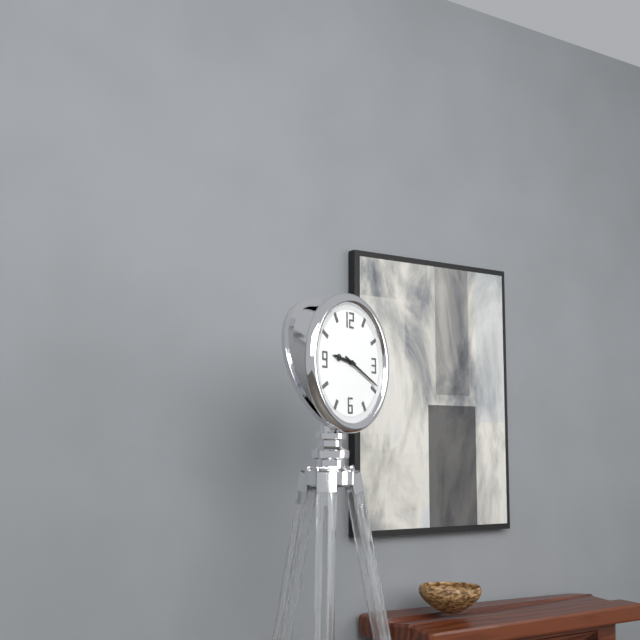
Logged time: 9 h 19 min
